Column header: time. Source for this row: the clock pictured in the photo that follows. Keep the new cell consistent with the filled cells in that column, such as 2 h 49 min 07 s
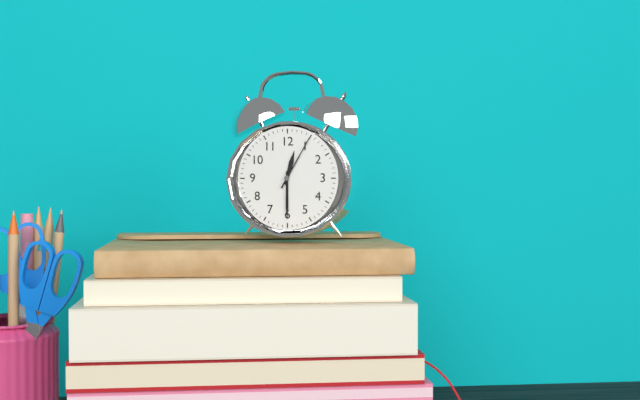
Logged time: 12 h 30 min 05 s
